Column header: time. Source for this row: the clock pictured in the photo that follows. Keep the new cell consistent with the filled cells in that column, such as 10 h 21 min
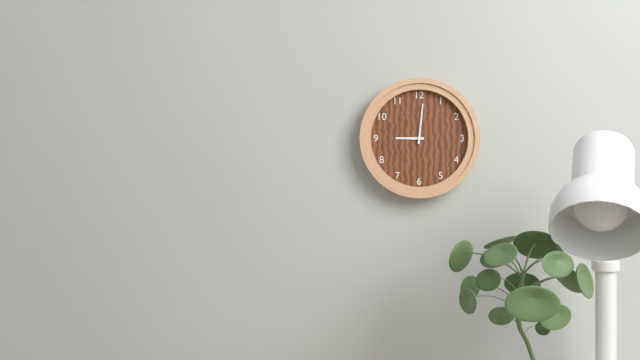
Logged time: 9 h 01 min
